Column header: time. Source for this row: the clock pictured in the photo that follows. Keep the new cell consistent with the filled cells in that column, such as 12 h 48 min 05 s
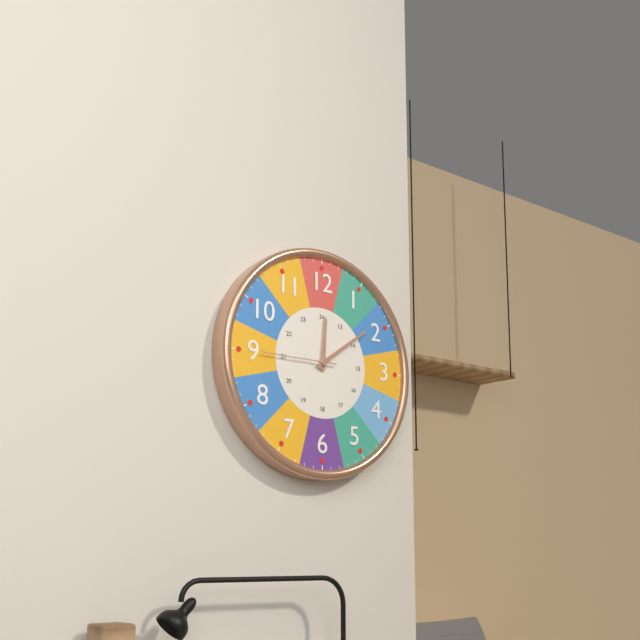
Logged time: 12 h 09 min 45 s
